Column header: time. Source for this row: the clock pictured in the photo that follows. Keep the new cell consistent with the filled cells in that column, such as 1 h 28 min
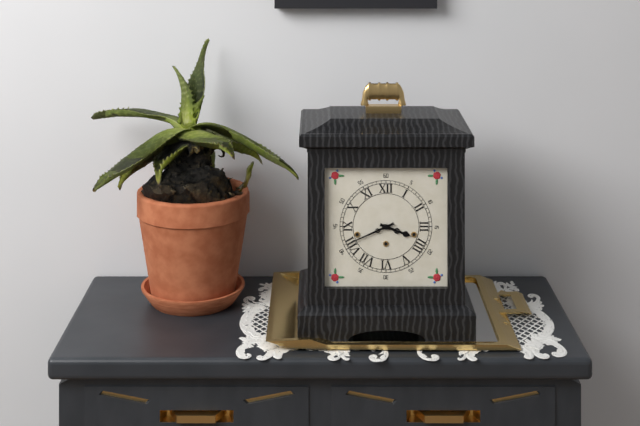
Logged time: 3 h 41 min
